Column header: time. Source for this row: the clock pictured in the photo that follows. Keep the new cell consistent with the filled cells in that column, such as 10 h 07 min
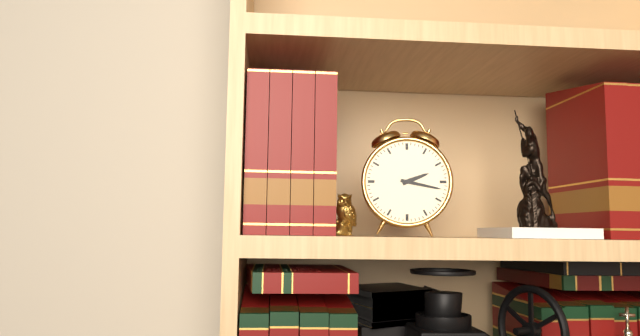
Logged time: 2 h 17 min
